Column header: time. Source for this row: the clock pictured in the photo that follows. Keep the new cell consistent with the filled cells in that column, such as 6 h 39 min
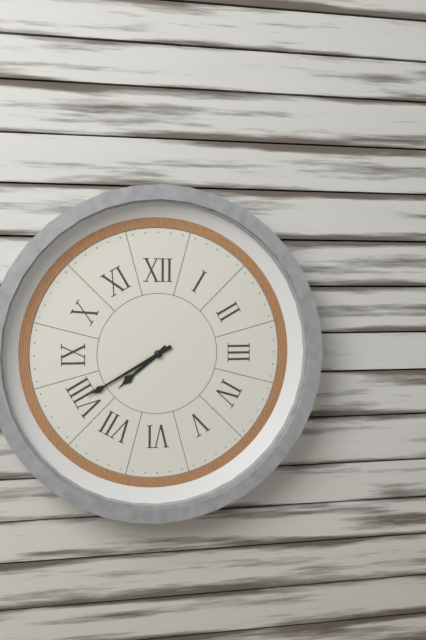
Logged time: 7 h 40 min
